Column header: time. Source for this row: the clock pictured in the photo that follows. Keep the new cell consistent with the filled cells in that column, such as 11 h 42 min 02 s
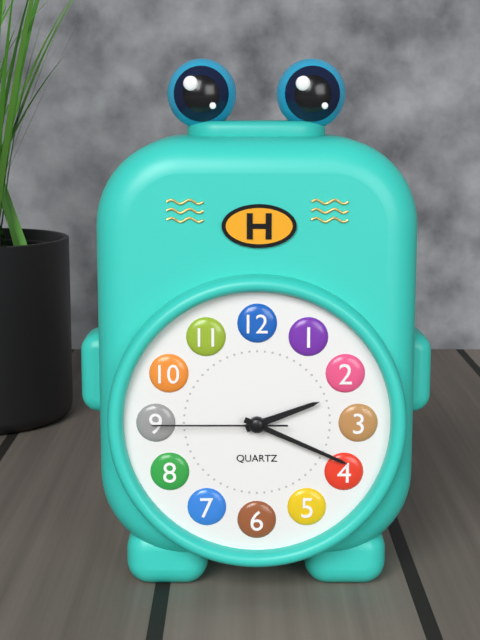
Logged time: 2 h 19 min 45 s
